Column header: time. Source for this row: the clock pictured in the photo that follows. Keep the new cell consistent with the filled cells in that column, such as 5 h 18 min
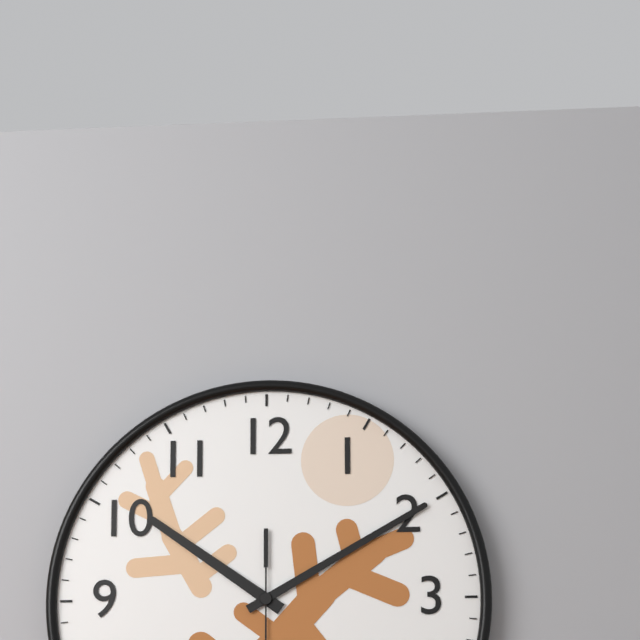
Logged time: 10 h 10 min
